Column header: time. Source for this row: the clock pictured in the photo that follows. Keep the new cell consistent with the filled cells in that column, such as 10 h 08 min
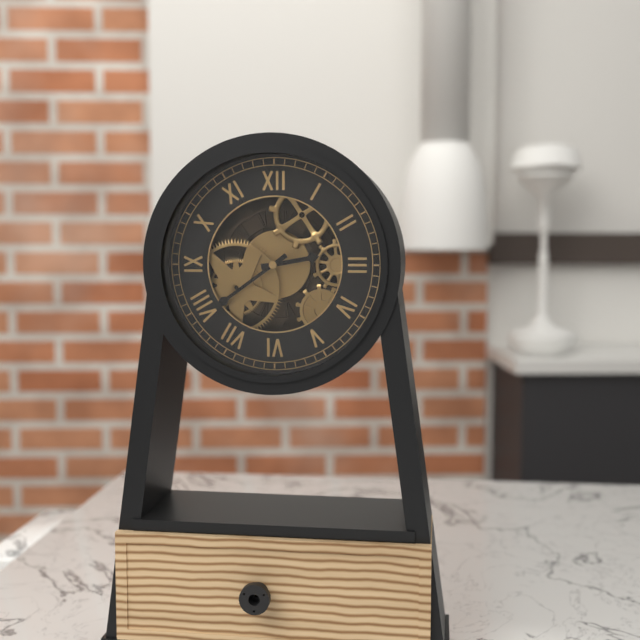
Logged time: 2 h 39 min
